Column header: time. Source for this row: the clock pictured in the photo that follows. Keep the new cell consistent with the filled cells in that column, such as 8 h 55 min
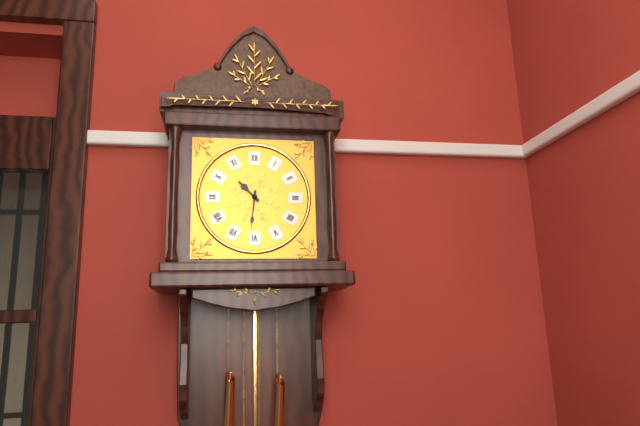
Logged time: 10 h 31 min
